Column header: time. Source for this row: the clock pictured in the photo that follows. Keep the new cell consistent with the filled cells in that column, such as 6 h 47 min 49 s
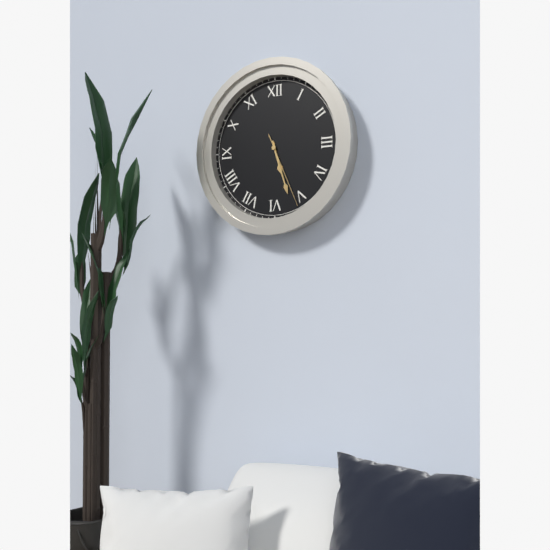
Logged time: 5 h 27 min 26 s
